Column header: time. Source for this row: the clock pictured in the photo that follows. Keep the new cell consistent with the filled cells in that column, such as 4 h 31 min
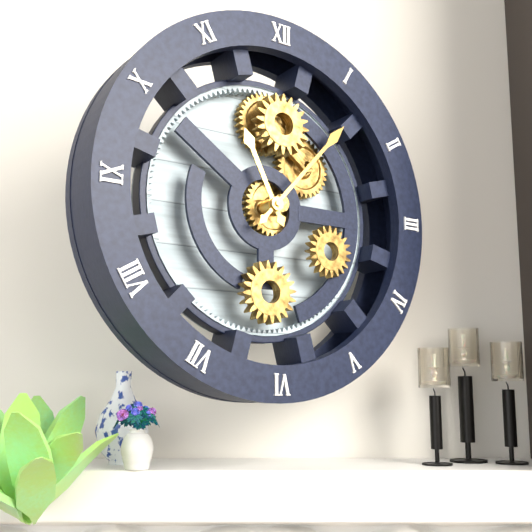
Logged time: 11 h 07 min
